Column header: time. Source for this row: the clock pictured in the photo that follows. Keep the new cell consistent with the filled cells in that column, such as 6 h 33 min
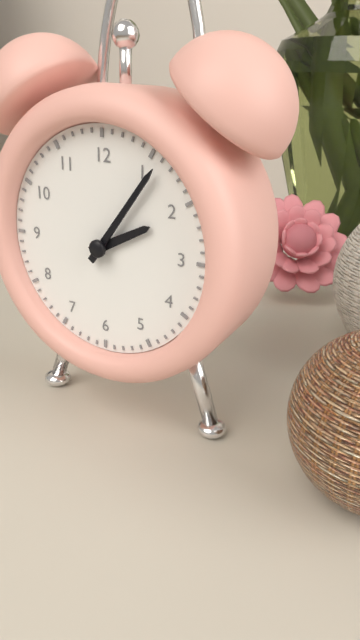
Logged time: 2 h 06 min
